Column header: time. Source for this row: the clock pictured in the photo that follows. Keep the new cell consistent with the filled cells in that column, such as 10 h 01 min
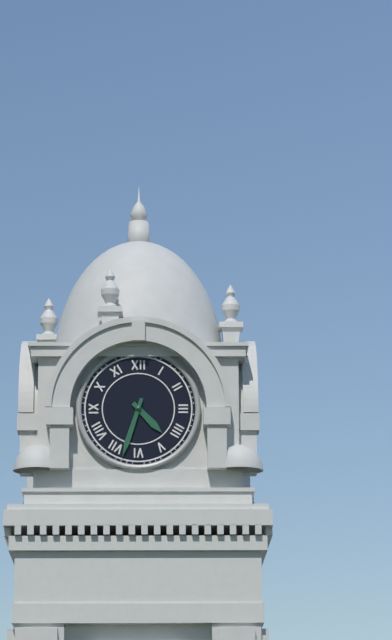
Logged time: 4 h 33 min
